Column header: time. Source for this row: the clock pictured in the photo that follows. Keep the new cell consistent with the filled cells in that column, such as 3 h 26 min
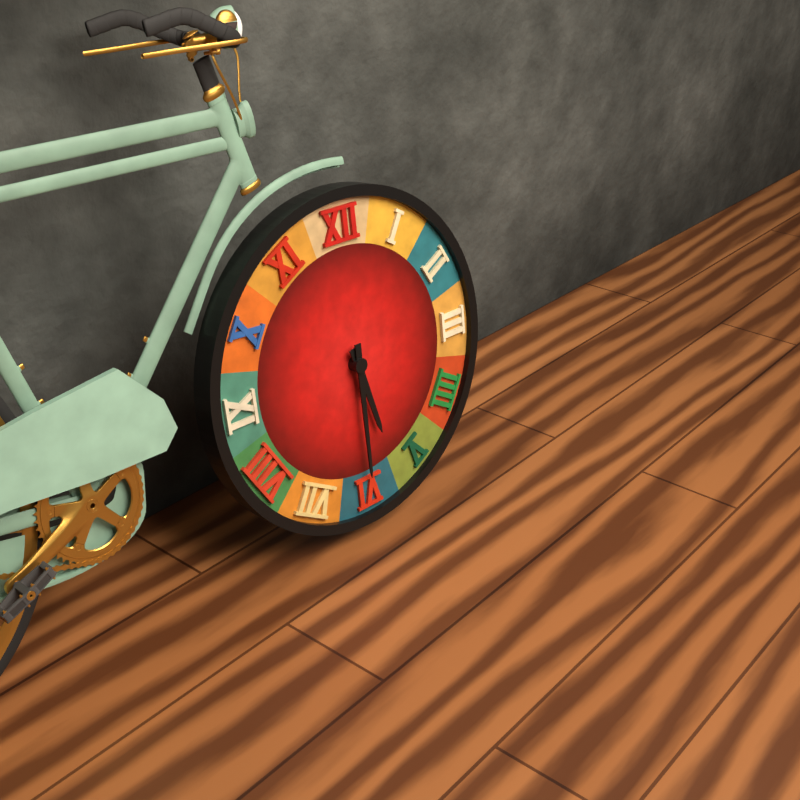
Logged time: 5 h 30 min
